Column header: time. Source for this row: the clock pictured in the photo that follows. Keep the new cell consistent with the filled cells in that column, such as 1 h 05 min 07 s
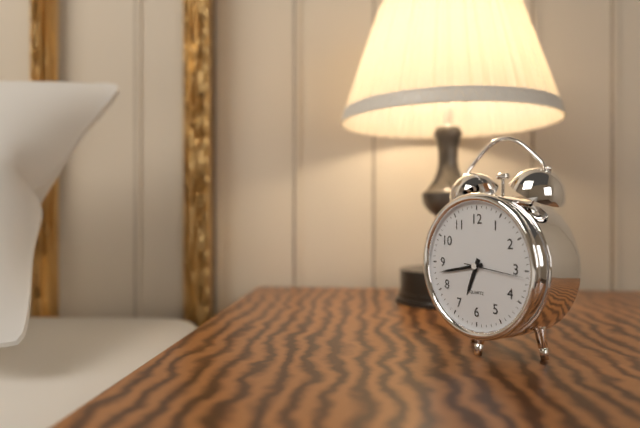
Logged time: 6 h 43 min 16 s
